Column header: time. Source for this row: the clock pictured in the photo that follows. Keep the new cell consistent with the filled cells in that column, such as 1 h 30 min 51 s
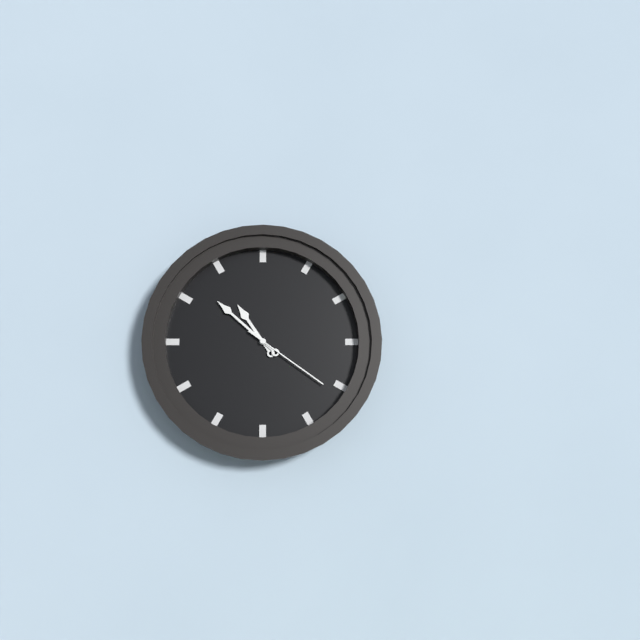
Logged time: 10 h 52 min 21 s
